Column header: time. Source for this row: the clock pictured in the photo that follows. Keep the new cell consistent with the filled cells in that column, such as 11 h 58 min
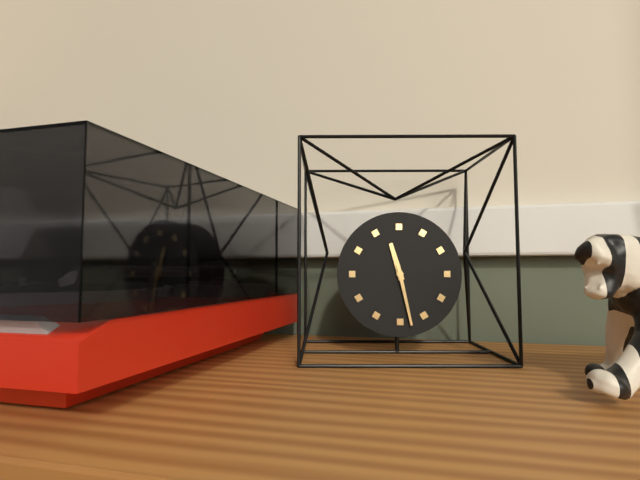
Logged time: 11 h 28 min
